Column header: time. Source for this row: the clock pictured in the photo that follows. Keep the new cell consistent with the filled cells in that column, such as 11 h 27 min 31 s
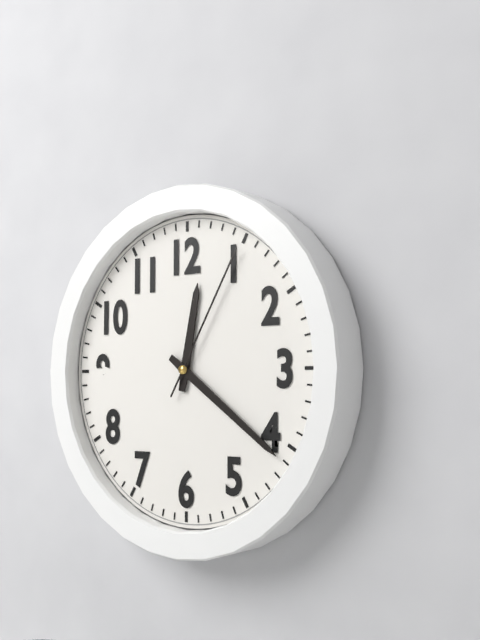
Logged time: 12 h 21 min 05 s
